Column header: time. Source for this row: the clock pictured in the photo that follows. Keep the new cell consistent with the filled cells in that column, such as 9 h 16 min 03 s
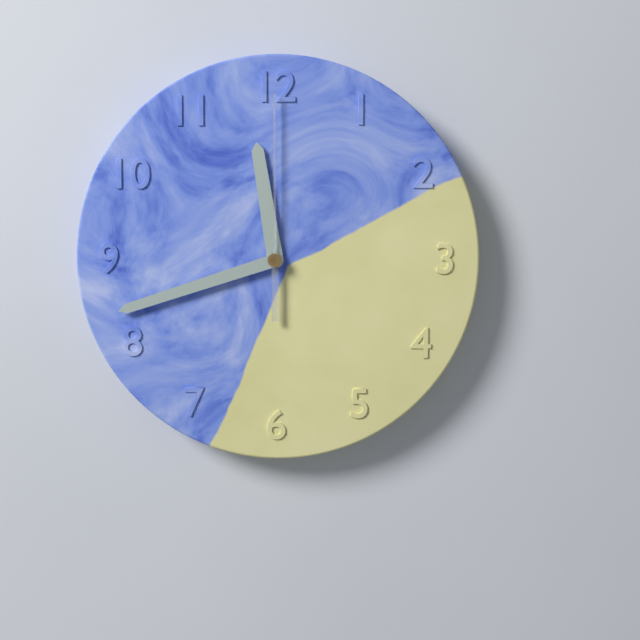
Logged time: 11 h 42 min 00 s
